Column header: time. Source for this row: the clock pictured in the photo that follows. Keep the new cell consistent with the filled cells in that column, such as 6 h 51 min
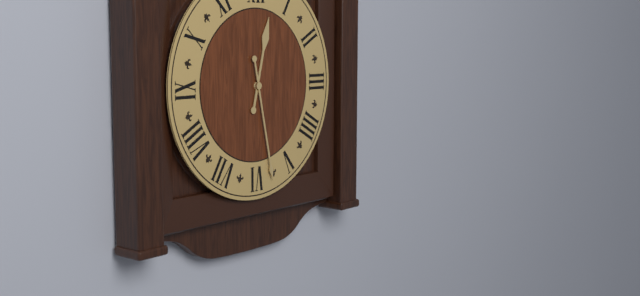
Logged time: 12 h 28 min
